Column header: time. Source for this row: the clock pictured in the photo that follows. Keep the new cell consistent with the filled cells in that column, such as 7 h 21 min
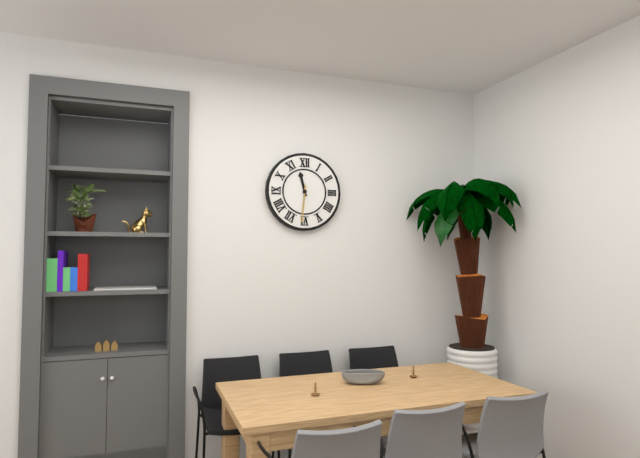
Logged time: 11 h 31 min
